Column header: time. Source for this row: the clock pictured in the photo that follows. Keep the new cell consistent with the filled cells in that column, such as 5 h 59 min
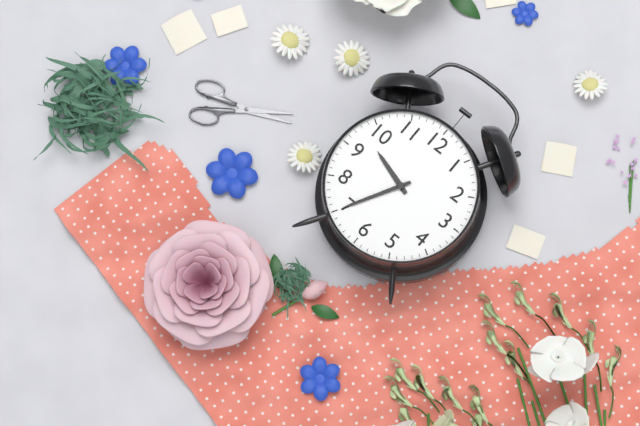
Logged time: 9 h 35 min
